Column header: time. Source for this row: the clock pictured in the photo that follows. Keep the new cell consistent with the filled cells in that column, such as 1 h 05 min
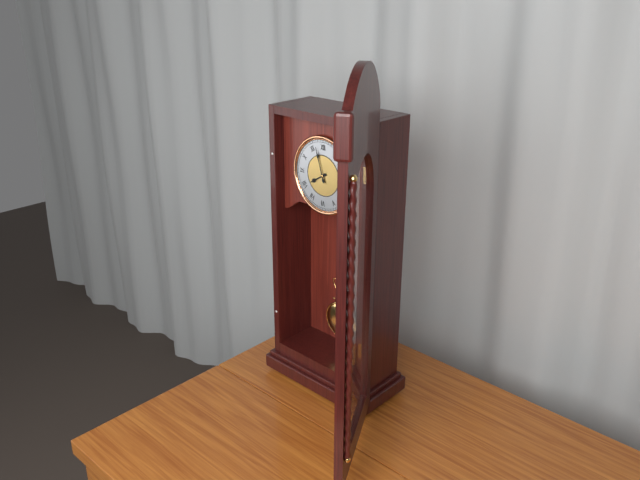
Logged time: 7 h 57 min
